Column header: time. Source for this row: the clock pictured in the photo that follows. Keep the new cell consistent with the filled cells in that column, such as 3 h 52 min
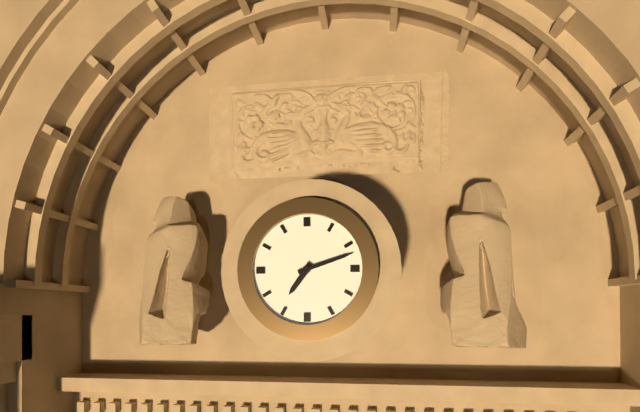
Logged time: 7 h 12 min
